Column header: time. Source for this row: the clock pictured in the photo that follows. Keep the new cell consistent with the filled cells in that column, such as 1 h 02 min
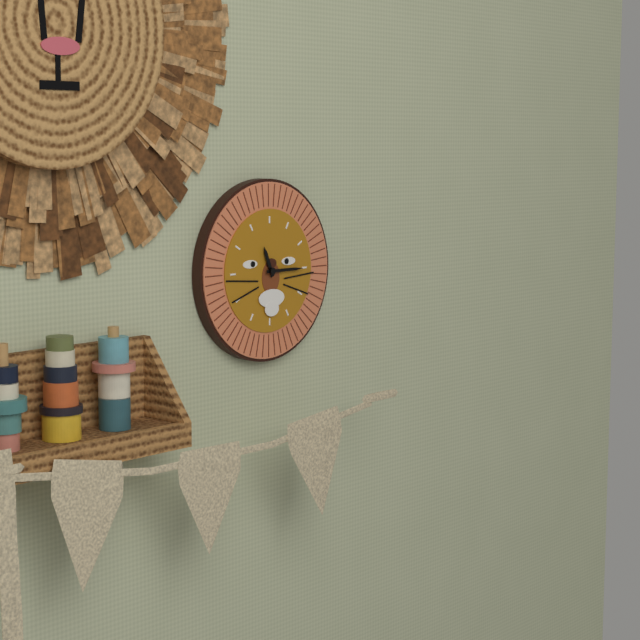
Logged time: 11 h 15 min
